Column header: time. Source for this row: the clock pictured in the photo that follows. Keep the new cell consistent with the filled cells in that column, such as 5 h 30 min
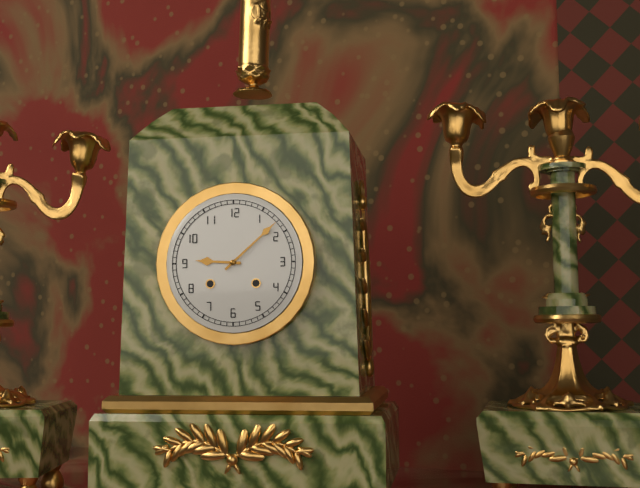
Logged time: 9 h 08 min
